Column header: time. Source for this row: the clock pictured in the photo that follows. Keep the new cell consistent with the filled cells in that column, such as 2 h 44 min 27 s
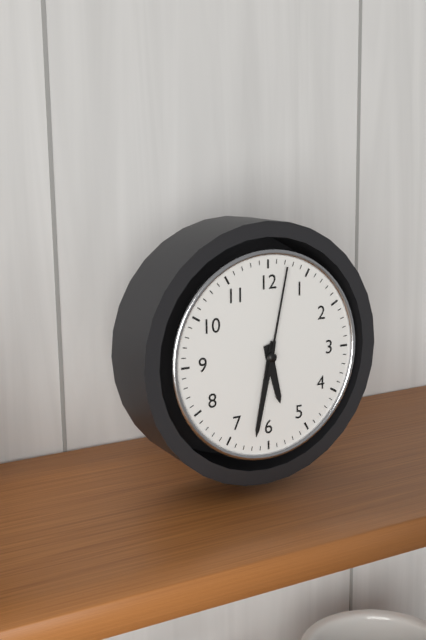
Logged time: 5 h 32 min 02 s
